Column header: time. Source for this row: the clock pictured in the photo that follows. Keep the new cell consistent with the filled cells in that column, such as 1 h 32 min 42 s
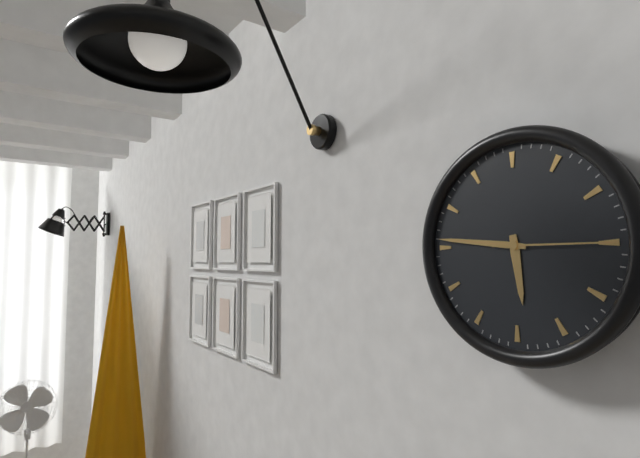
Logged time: 5 h 46 min 15 s
